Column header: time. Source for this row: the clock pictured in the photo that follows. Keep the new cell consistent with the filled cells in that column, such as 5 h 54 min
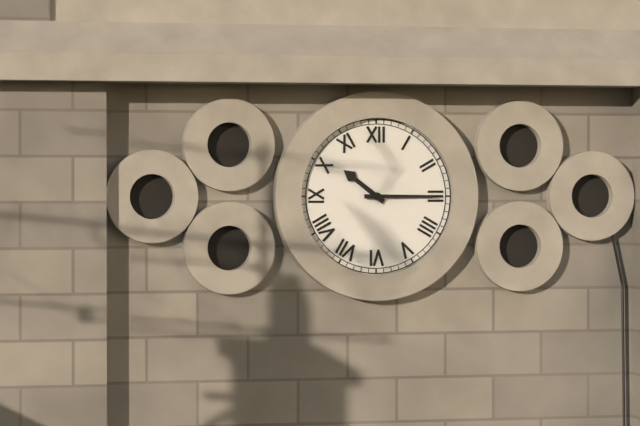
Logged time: 10 h 15 min
